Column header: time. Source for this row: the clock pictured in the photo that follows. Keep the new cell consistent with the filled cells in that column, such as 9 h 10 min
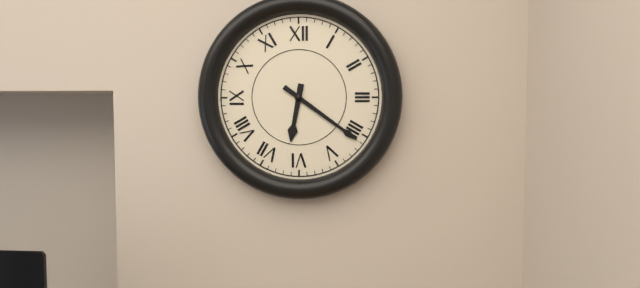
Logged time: 6 h 21 min
